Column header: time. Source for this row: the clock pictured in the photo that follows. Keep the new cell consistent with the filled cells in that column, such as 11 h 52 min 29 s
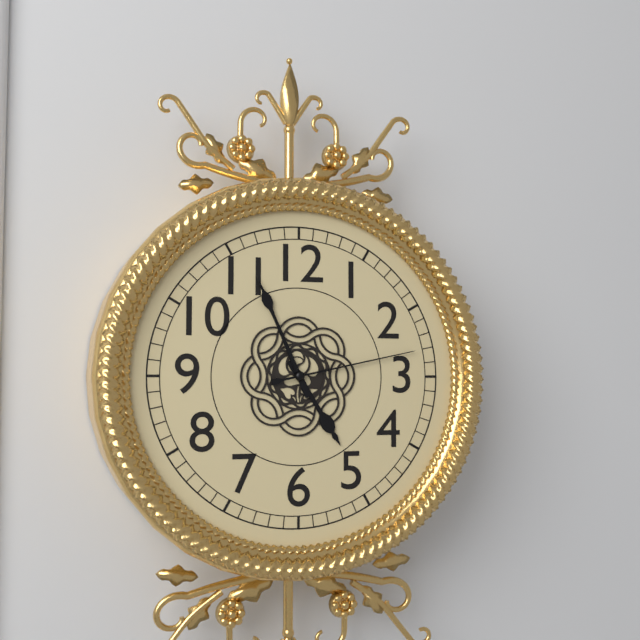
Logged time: 4 h 56 min 13 s
